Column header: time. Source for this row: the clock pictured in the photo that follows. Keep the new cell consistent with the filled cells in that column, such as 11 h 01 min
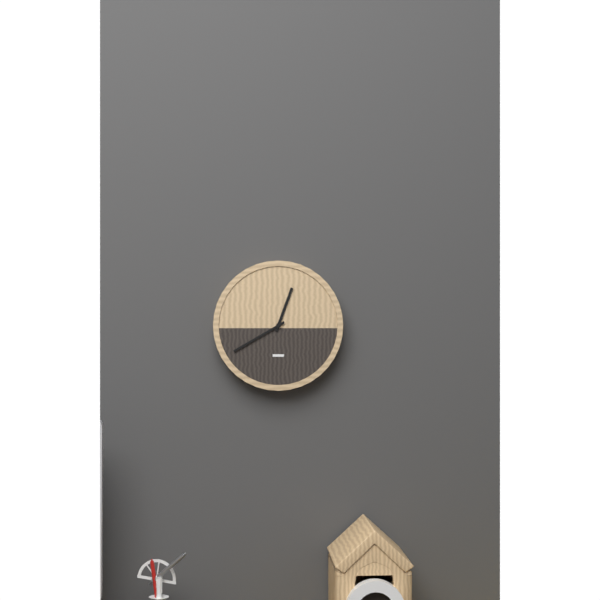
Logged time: 12 h 40 min
